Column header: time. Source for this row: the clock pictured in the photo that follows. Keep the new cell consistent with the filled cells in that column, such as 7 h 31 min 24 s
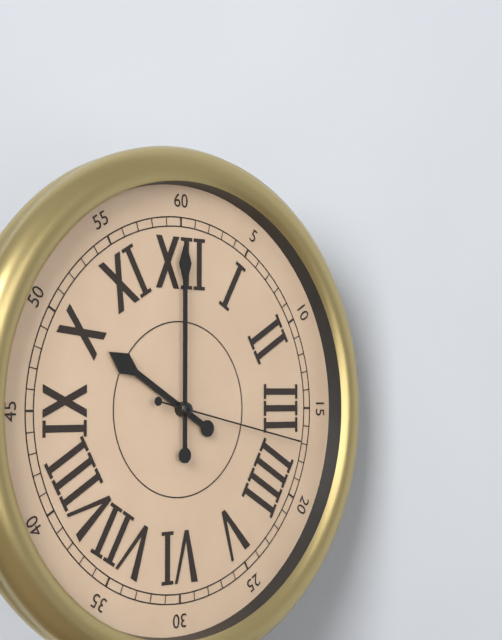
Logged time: 10 h 00 min 17 s
